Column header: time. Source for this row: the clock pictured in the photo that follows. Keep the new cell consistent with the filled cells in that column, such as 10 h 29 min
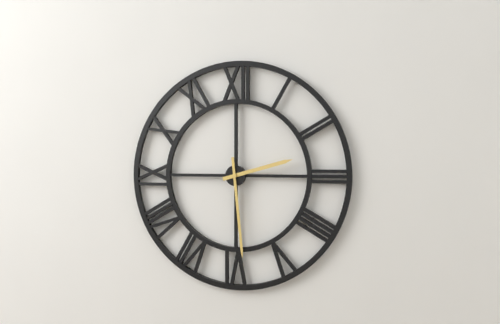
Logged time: 2 h 29 min
